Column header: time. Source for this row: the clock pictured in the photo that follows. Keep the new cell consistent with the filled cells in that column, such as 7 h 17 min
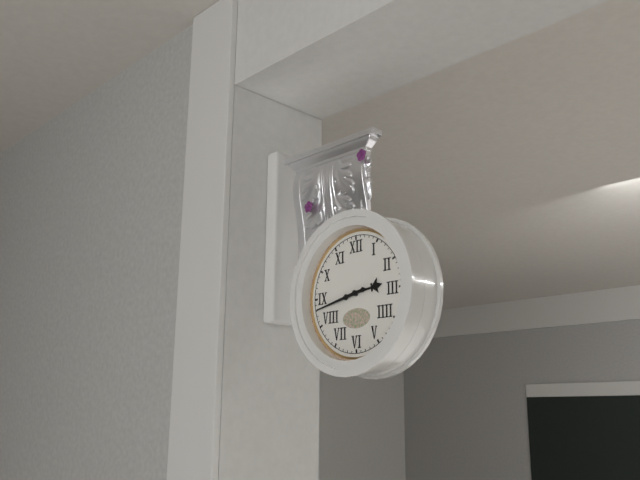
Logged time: 2 h 43 min
